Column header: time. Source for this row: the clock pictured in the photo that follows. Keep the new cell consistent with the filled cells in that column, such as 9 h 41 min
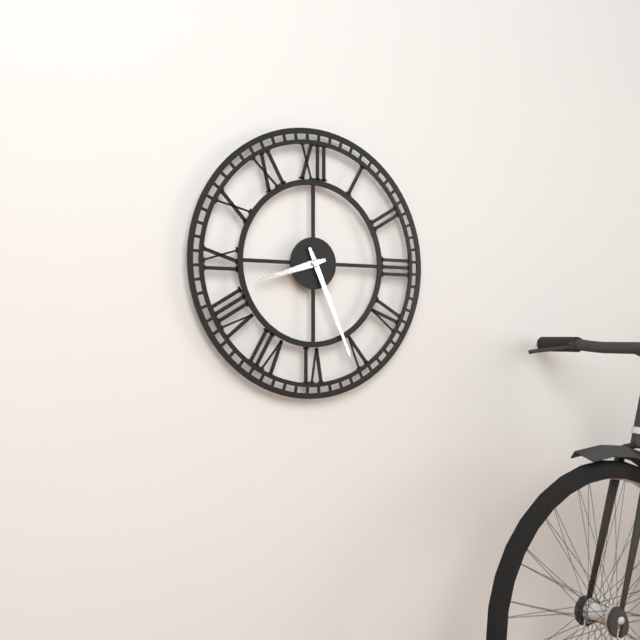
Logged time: 8 h 26 min
